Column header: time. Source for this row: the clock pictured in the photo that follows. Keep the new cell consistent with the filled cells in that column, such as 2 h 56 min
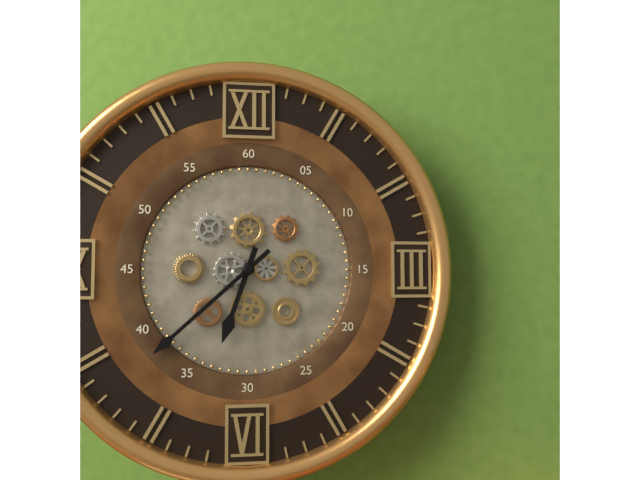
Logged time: 6 h 38 min
